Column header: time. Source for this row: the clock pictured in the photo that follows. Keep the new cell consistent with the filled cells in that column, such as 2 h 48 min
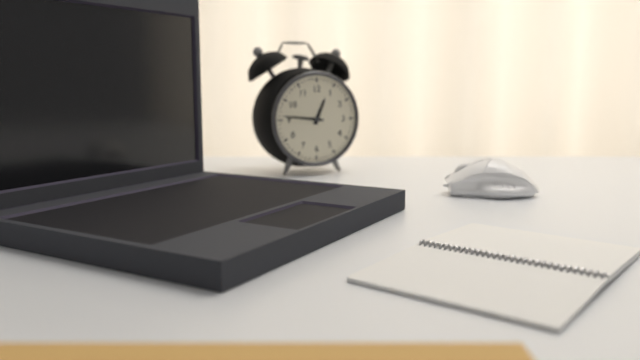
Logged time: 12 h 46 min
